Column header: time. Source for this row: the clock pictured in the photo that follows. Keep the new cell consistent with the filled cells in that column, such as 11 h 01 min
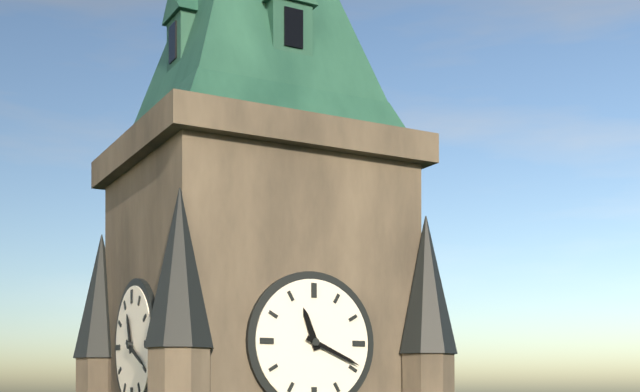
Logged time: 11 h 19 min
